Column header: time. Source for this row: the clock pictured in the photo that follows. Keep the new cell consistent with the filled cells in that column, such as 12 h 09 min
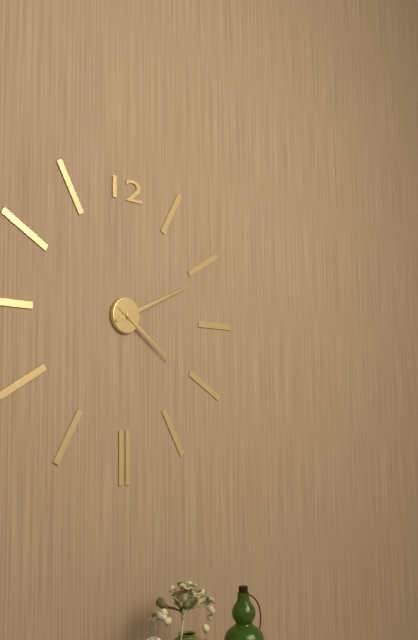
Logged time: 4 h 11 min
